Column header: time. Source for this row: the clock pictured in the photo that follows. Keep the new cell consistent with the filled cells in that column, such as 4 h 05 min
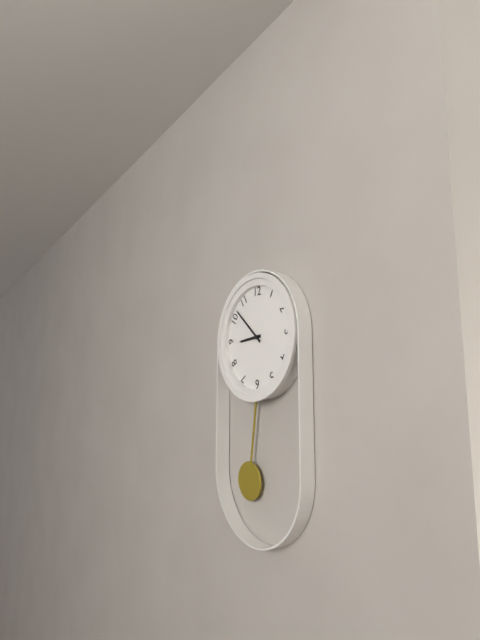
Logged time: 8 h 52 min
